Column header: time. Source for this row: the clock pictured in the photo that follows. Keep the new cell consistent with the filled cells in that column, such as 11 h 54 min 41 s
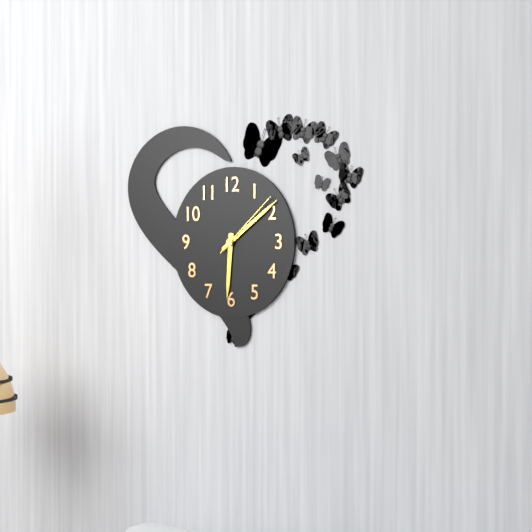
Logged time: 6 h 09 min 08 s
